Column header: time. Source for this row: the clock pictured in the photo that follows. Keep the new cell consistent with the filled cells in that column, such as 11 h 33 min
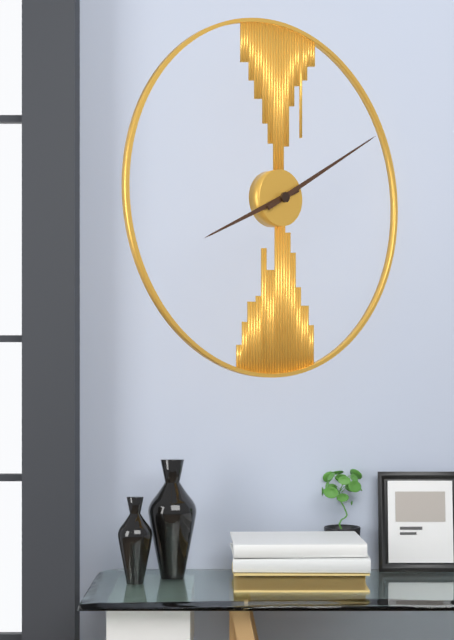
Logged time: 8 h 10 min
